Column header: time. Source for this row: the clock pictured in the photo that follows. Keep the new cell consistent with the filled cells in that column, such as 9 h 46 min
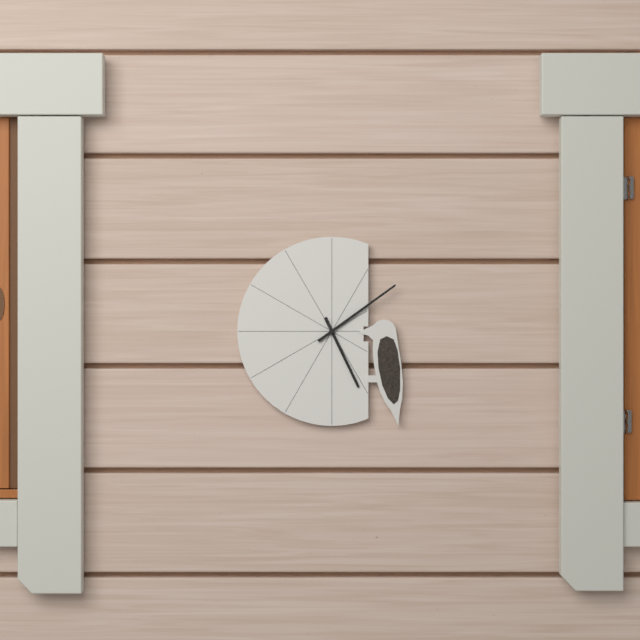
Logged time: 5 h 09 min
